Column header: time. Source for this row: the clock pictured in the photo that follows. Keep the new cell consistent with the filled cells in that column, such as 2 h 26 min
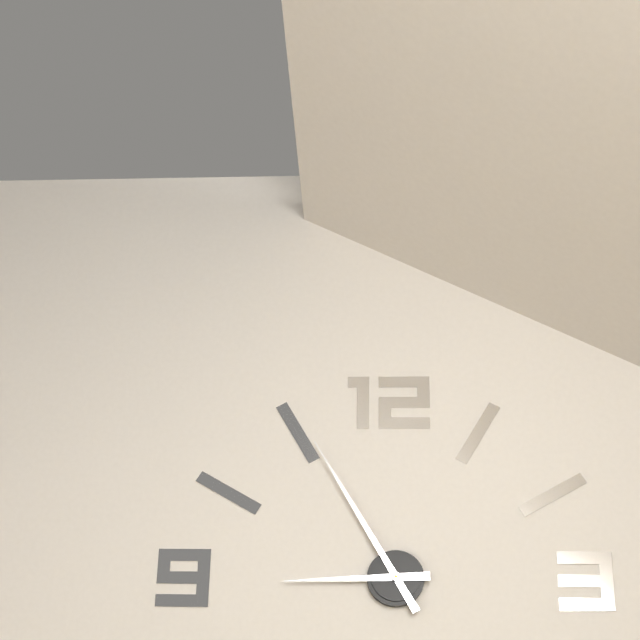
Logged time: 8 h 55 min
